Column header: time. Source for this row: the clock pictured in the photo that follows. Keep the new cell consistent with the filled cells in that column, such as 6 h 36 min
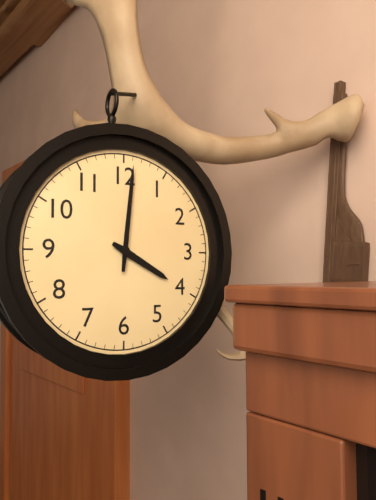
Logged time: 4 h 01 min
